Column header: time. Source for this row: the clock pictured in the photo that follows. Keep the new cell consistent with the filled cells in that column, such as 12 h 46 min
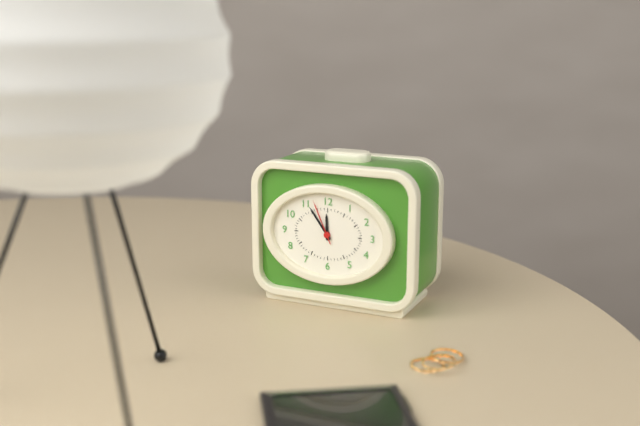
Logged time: 11 h 54 min
